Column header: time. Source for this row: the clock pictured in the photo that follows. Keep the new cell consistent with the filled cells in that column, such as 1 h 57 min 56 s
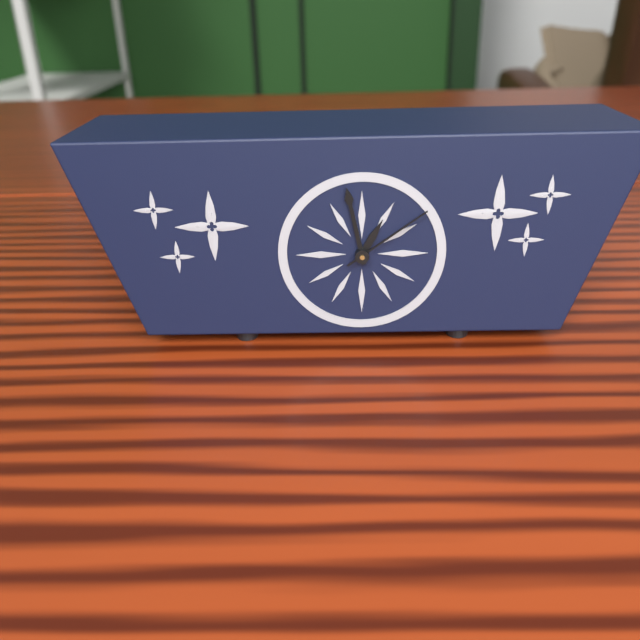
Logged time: 12 h 58 min 09 s
